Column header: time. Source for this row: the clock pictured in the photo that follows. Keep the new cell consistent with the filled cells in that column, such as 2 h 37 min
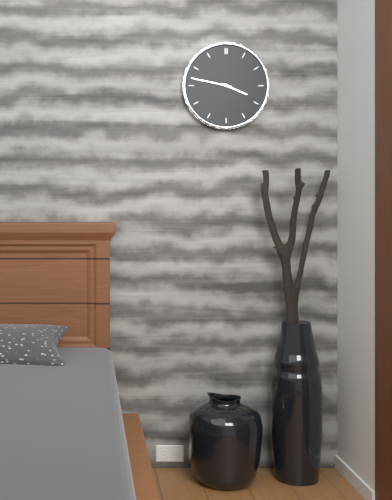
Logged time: 3 h 47 min
